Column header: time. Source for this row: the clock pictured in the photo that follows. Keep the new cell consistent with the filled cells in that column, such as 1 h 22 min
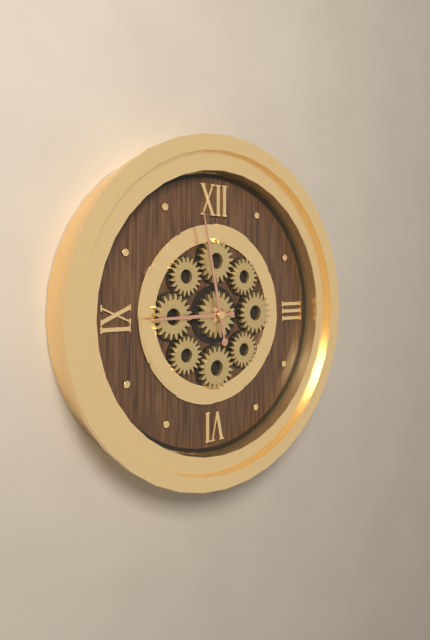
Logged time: 8 h 58 min
